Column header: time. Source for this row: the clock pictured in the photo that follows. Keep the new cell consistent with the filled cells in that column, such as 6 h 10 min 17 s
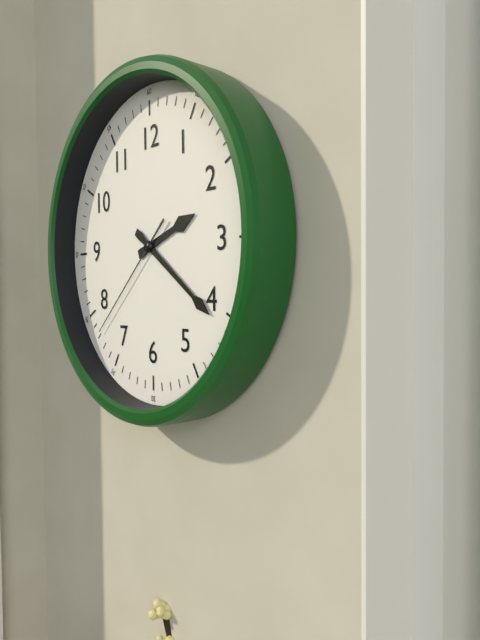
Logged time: 2 h 21 min 38 s
